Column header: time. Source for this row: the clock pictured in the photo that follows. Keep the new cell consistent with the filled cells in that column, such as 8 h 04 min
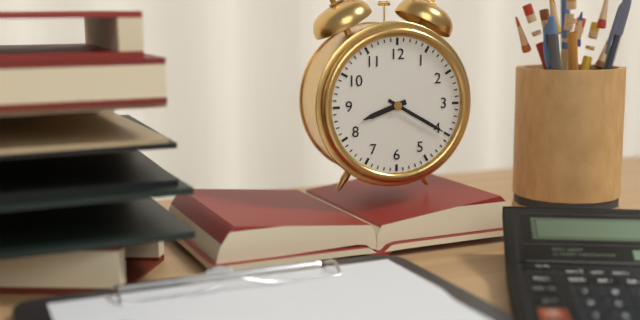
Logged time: 8 h 20 min
